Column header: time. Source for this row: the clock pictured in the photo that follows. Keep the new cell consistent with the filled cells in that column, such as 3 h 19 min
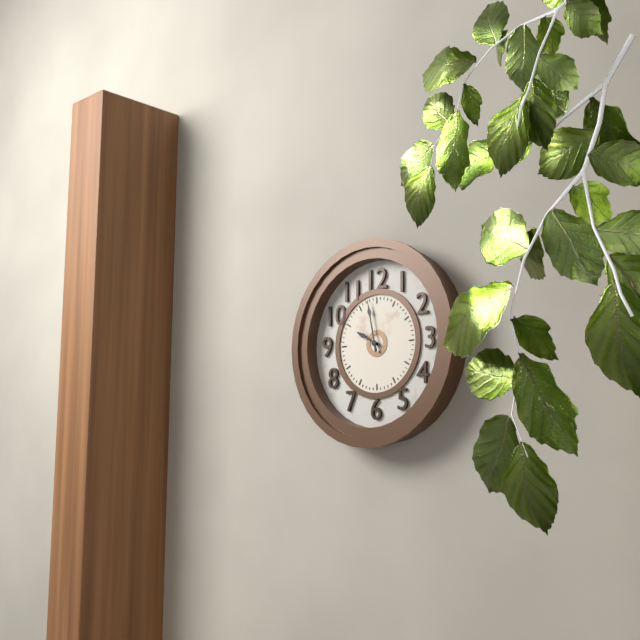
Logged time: 9 h 58 min
